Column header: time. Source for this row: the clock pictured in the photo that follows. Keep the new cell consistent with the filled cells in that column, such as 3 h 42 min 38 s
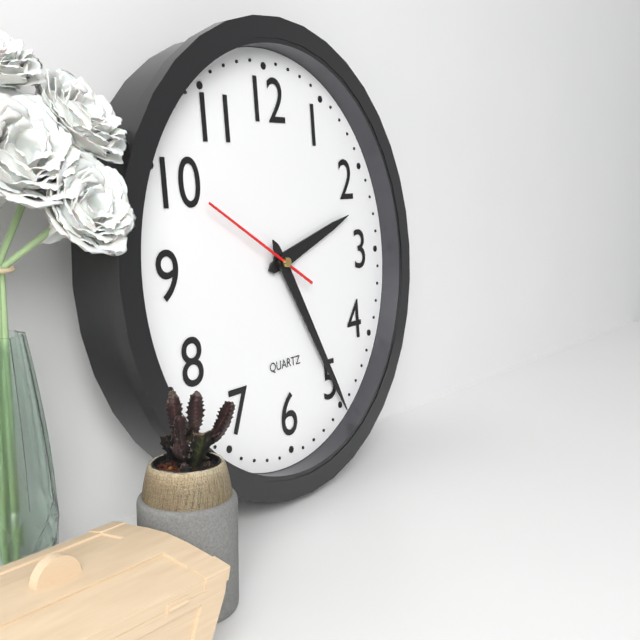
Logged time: 2 h 25 min 50 s
